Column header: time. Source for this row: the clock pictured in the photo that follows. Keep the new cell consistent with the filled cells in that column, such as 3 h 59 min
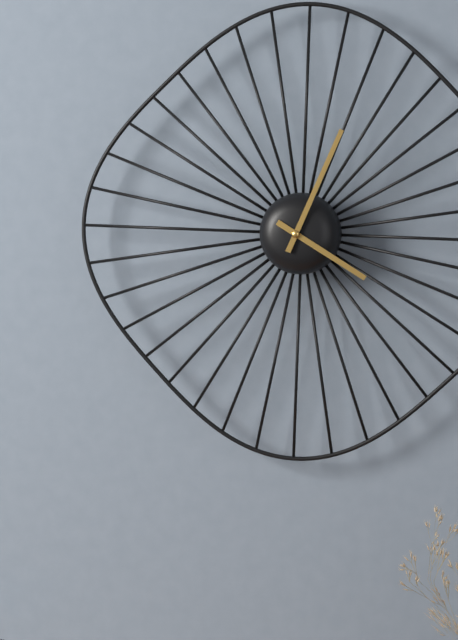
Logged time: 4 h 04 min
